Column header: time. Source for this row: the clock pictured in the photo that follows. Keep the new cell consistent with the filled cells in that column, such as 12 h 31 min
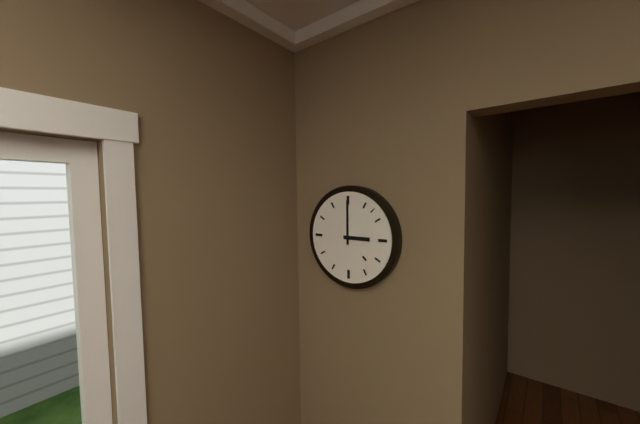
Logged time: 3 h 00 min
